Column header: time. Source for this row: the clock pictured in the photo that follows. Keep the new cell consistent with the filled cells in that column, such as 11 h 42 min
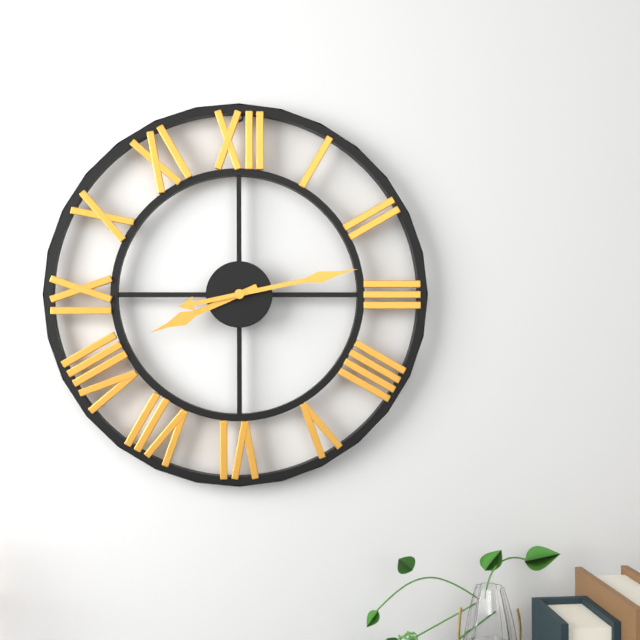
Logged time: 8 h 13 min
